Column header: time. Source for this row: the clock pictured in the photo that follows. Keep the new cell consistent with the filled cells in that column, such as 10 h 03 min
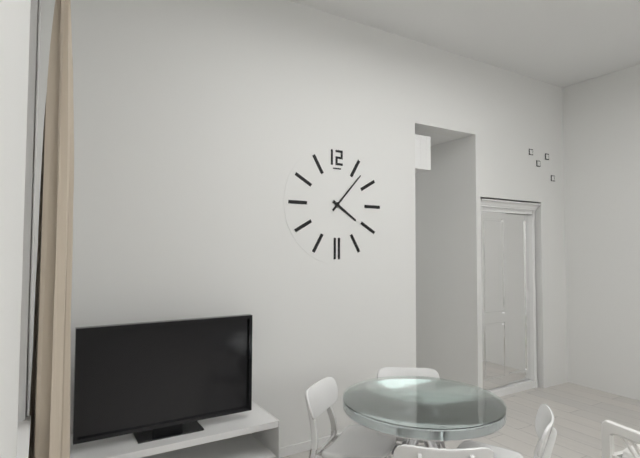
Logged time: 4 h 07 min
